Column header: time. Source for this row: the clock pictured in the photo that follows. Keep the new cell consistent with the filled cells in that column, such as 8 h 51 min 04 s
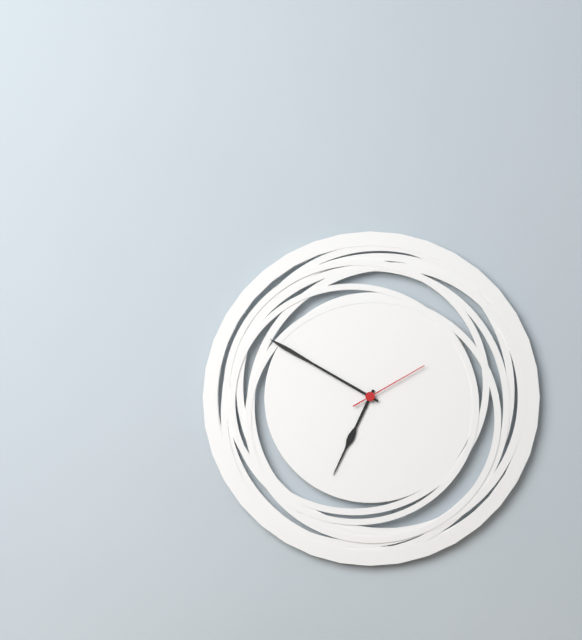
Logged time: 6 h 50 min 10 s
